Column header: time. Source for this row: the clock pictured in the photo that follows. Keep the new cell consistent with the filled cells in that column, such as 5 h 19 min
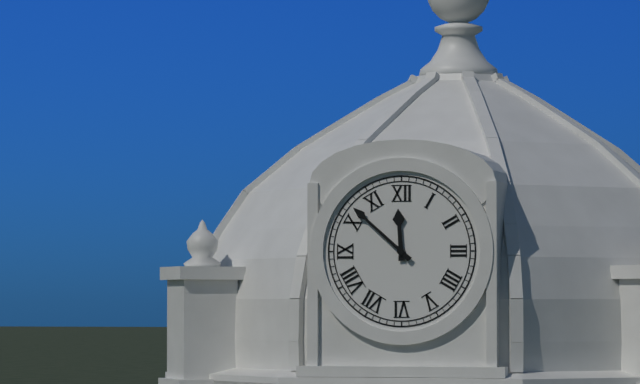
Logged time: 11 h 52 min
